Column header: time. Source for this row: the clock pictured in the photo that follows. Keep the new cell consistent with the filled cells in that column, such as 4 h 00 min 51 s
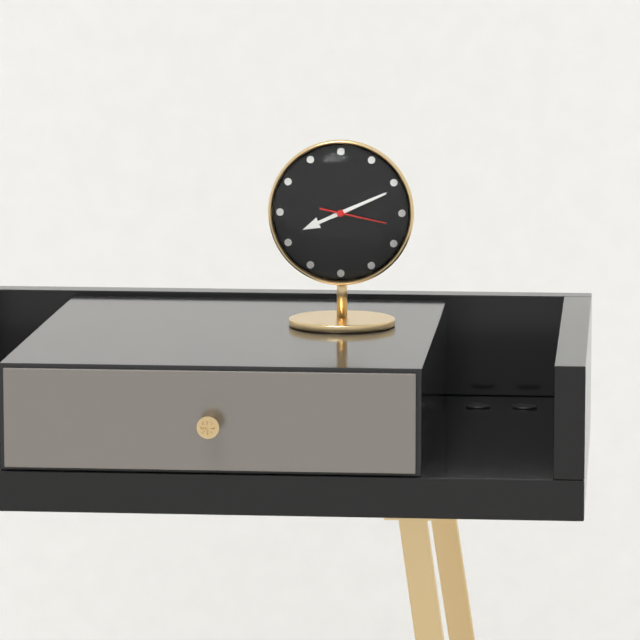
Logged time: 8 h 11 min 17 s
